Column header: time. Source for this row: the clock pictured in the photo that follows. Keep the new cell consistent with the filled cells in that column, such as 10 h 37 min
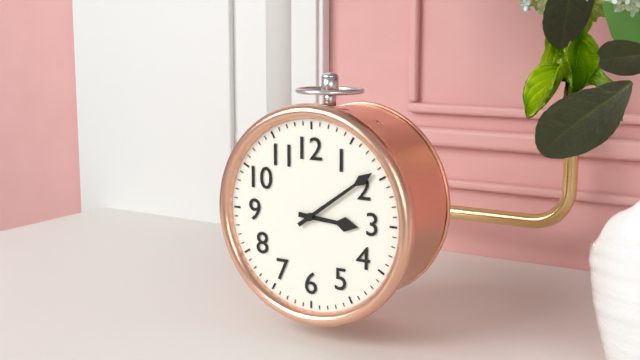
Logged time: 3 h 09 min
